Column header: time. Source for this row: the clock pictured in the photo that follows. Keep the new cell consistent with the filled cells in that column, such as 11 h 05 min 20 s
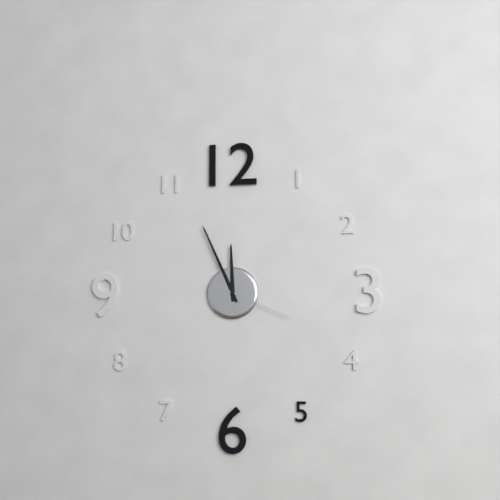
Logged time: 11 h 56 min 19 s
